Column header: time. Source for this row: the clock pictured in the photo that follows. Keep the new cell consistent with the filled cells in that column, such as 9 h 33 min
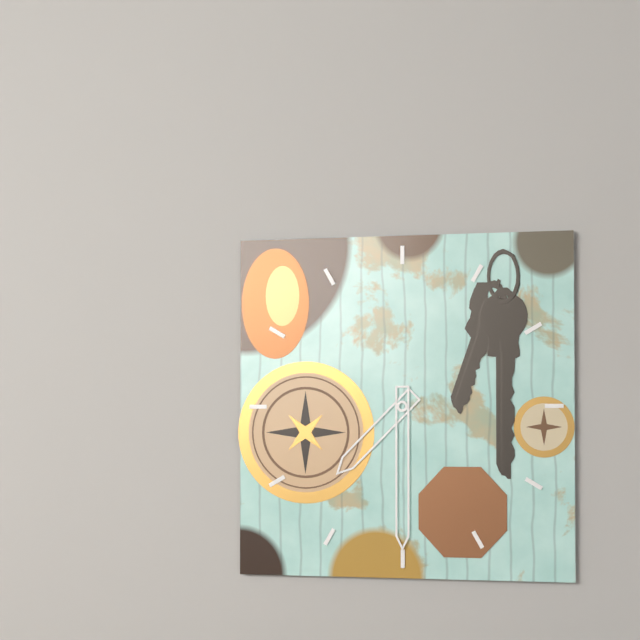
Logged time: 7 h 30 min
